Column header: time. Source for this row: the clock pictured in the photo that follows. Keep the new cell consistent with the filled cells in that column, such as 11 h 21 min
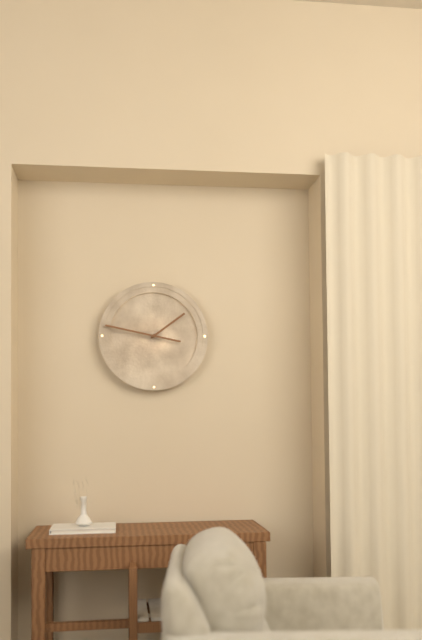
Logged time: 1 h 47 min
